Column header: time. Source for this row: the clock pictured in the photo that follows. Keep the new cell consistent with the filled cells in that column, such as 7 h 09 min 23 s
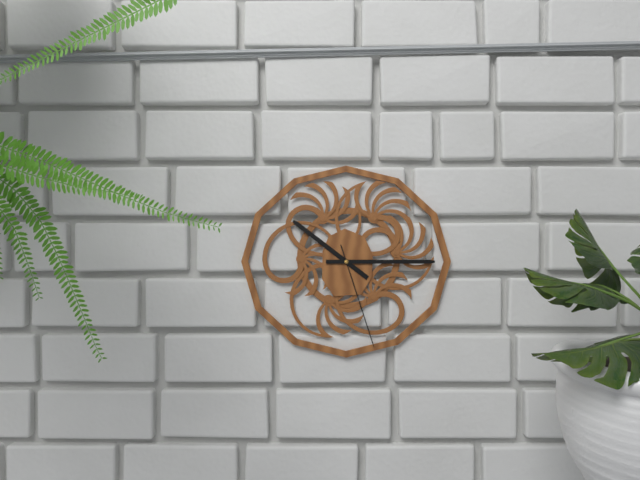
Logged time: 10 h 15 min 27 s
